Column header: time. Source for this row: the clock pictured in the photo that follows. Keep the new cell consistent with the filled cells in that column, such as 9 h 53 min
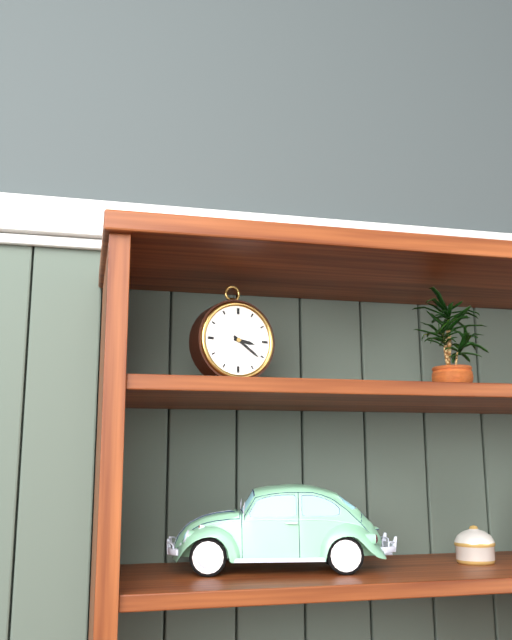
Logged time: 3 h 21 min
